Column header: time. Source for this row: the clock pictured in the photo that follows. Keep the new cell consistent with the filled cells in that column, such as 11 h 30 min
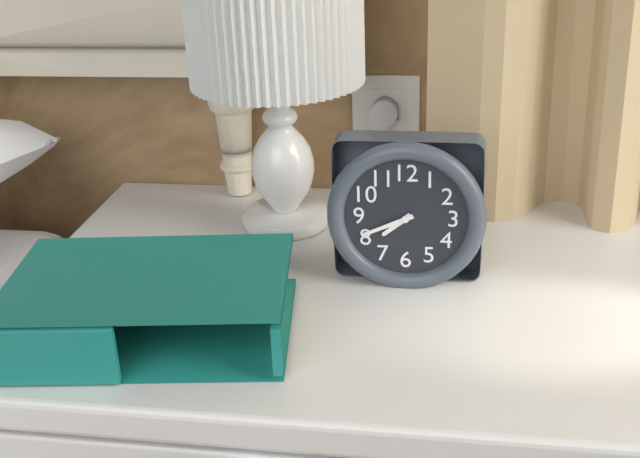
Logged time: 7 h 41 min
